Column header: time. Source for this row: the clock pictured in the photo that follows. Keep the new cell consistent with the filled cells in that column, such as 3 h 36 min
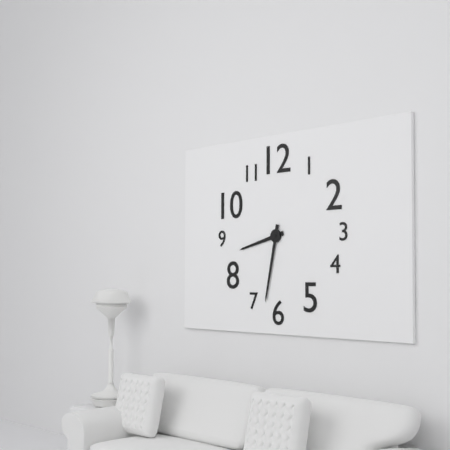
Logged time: 8 h 32 min
